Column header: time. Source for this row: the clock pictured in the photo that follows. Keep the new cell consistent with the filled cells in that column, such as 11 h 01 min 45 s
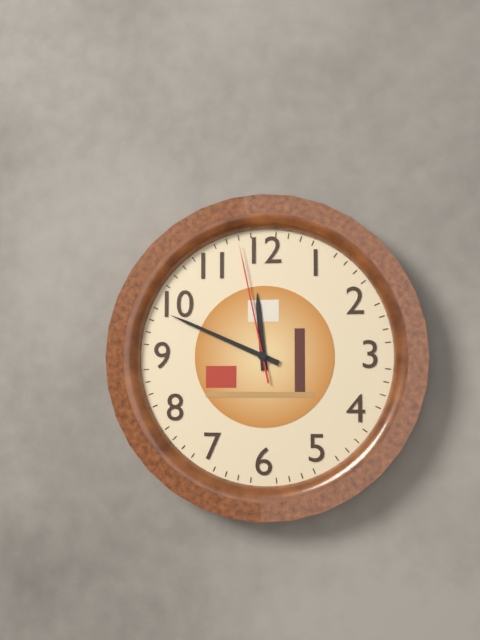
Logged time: 11 h 49 min 58 s
